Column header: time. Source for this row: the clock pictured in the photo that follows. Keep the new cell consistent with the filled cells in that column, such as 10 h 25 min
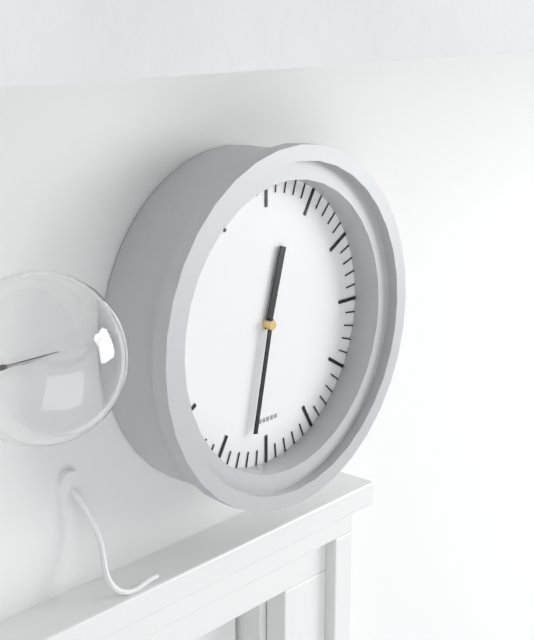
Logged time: 12 h 32 min
